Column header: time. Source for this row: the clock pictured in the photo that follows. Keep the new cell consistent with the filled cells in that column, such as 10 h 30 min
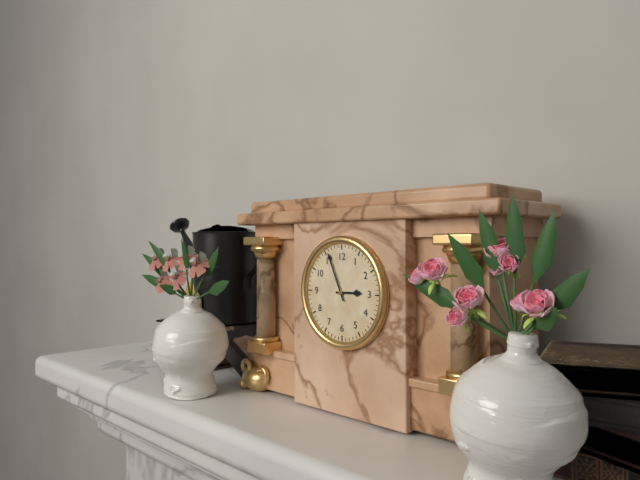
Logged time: 2 h 56 min
